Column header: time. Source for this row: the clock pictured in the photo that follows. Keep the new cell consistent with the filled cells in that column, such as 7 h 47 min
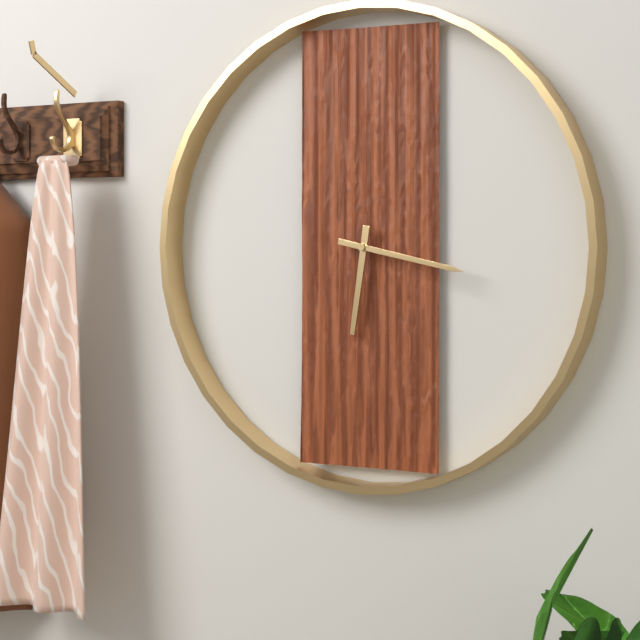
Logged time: 6 h 17 min
